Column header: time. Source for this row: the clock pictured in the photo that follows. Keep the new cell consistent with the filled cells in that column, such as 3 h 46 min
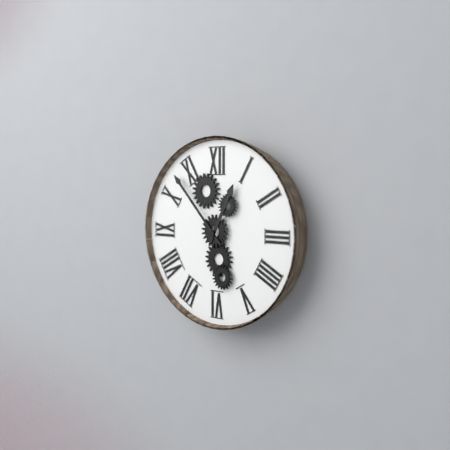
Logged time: 12 h 53 min
